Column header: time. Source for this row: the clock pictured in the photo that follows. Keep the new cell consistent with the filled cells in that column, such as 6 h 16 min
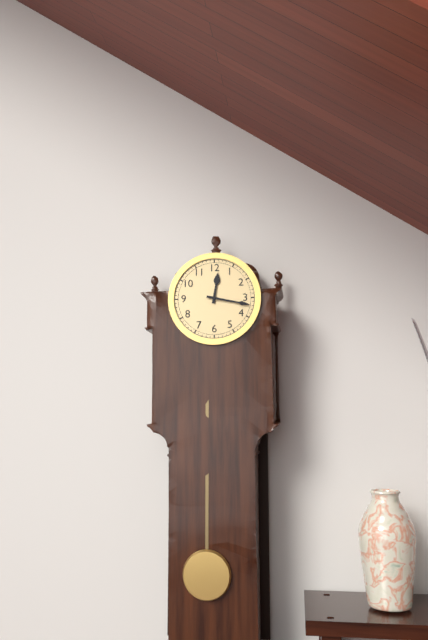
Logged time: 12 h 17 min
